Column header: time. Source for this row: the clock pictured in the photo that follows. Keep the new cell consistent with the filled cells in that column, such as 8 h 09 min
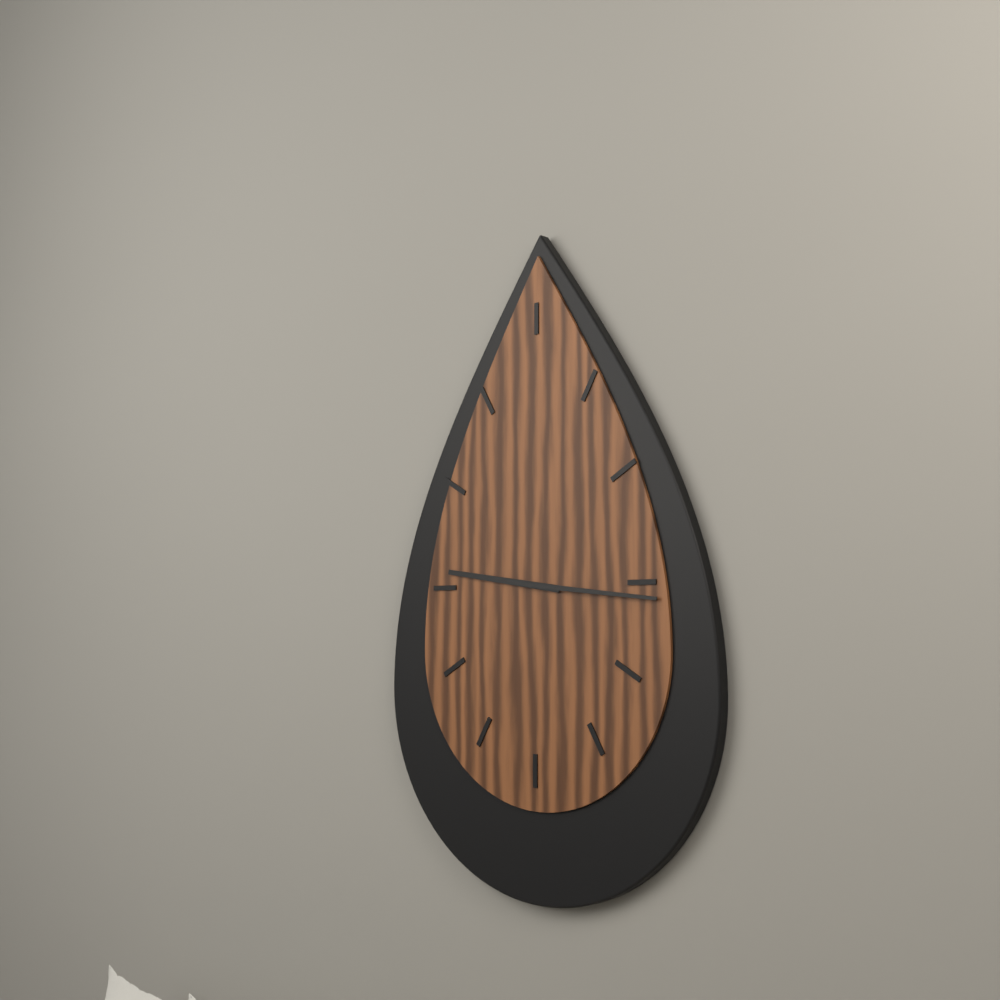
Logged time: 9 h 16 min
